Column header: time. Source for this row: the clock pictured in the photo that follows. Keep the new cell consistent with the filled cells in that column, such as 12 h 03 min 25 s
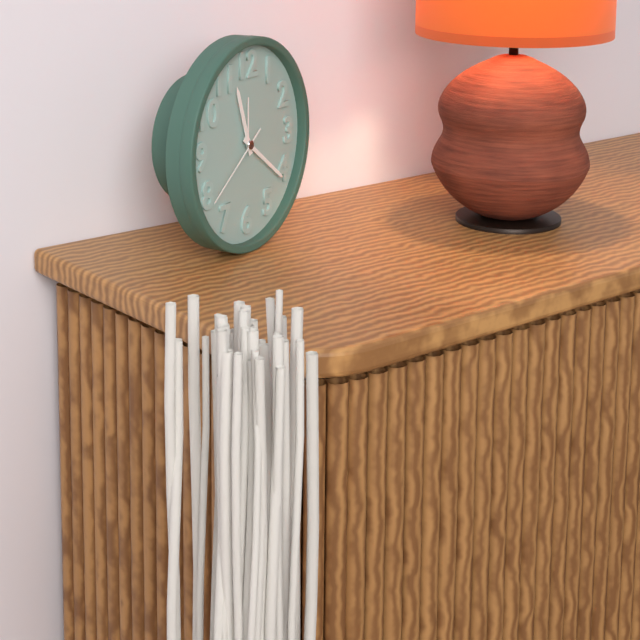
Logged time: 11 h 21 min 39 s
